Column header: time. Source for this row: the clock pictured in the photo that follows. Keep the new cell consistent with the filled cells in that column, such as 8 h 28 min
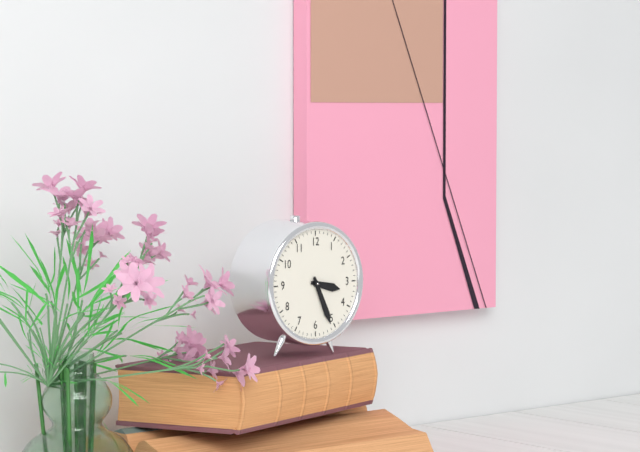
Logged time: 3 h 26 min
